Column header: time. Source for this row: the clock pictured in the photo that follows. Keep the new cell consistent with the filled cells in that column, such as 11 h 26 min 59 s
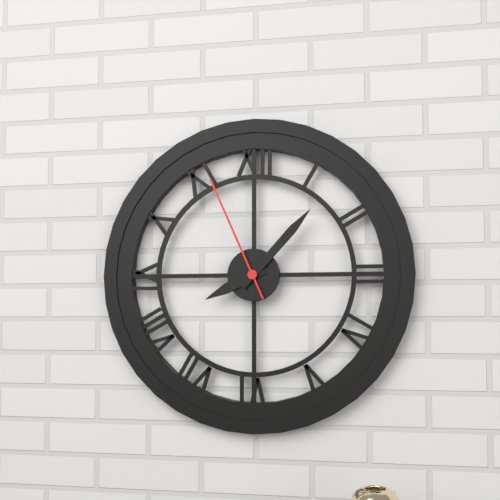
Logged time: 8 h 07 min 56 s
